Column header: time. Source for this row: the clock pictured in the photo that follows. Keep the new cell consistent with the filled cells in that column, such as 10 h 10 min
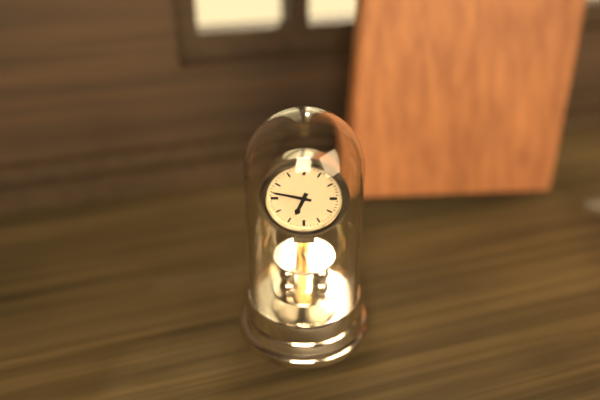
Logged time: 6 h 47 min
